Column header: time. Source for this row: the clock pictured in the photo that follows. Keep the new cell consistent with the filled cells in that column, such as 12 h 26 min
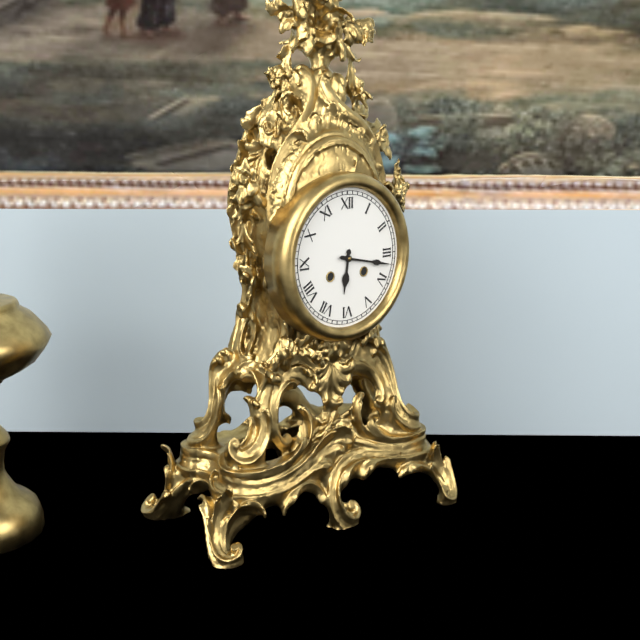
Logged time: 6 h 17 min
